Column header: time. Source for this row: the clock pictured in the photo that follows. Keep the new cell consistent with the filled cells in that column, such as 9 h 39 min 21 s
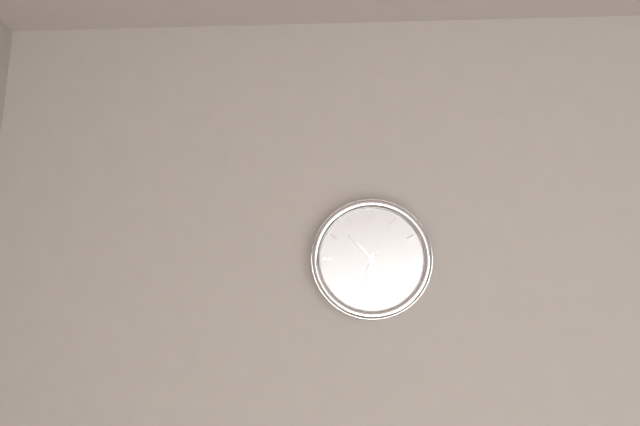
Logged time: 10 h 32 min 37 s
